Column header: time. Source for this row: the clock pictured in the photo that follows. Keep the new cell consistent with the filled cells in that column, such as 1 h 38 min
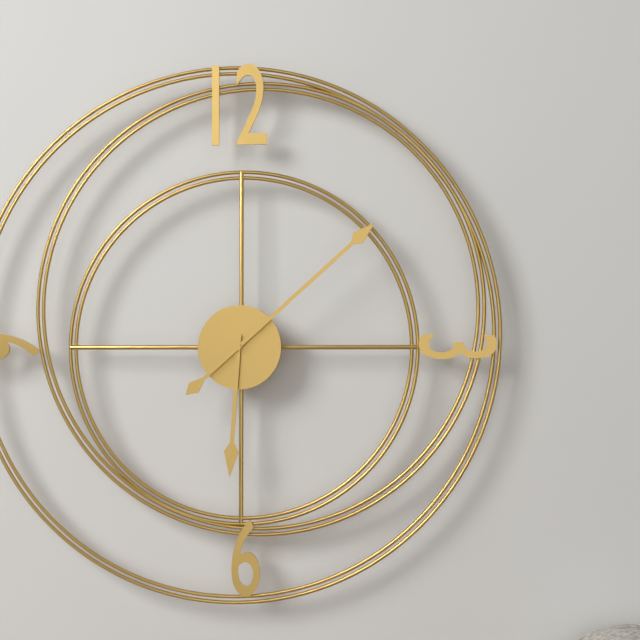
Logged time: 6 h 08 min
